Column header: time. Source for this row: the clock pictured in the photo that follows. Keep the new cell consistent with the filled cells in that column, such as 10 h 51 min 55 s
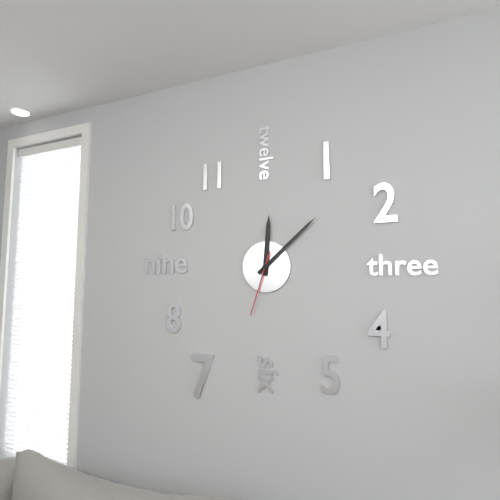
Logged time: 12 h 08 min 33 s
